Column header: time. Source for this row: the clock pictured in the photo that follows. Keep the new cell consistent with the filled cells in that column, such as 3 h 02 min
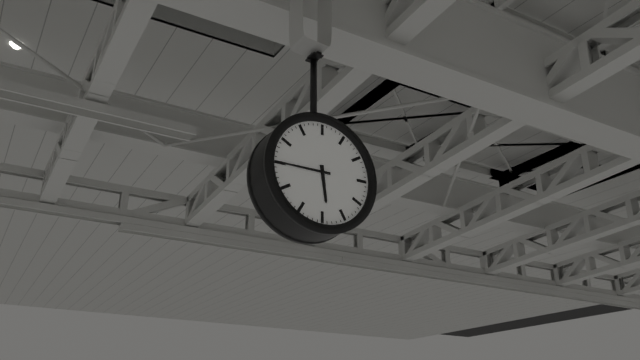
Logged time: 5 h 45 min
